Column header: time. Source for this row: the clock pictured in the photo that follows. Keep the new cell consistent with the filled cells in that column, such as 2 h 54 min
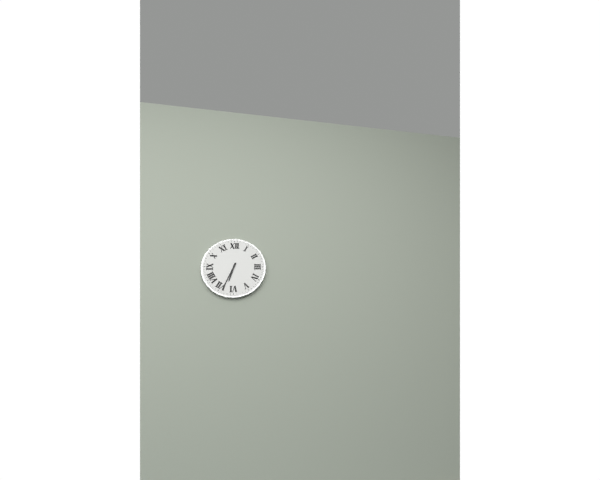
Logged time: 6 h 34 min
